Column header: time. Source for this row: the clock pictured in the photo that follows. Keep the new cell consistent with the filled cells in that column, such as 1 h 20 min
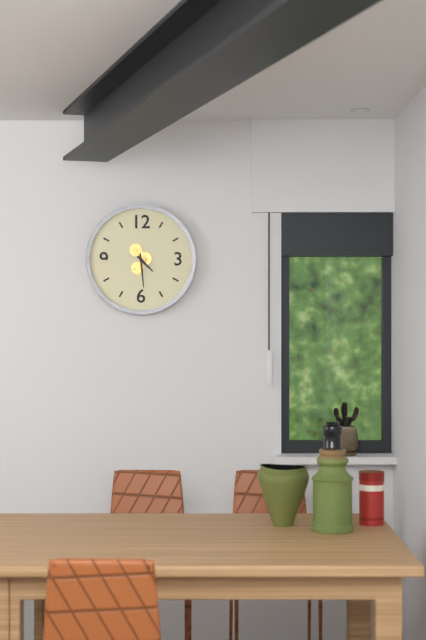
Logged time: 4 h 29 min
